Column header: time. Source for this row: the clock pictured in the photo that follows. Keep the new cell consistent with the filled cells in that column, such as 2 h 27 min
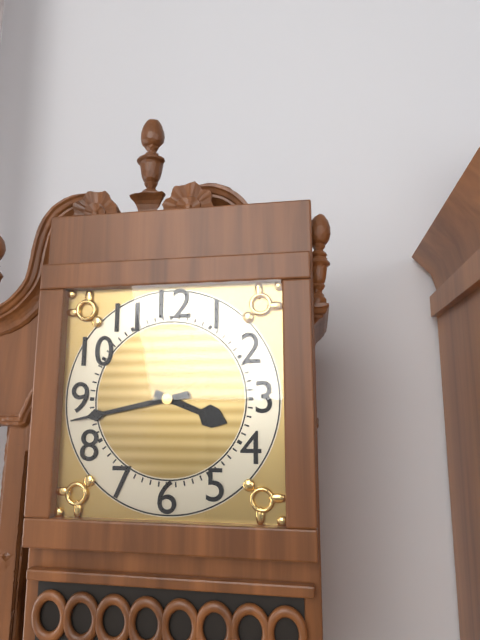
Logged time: 3 h 43 min
